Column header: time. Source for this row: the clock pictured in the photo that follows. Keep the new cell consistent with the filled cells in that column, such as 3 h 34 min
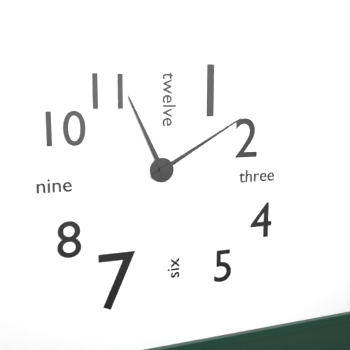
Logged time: 11 h 10 min
